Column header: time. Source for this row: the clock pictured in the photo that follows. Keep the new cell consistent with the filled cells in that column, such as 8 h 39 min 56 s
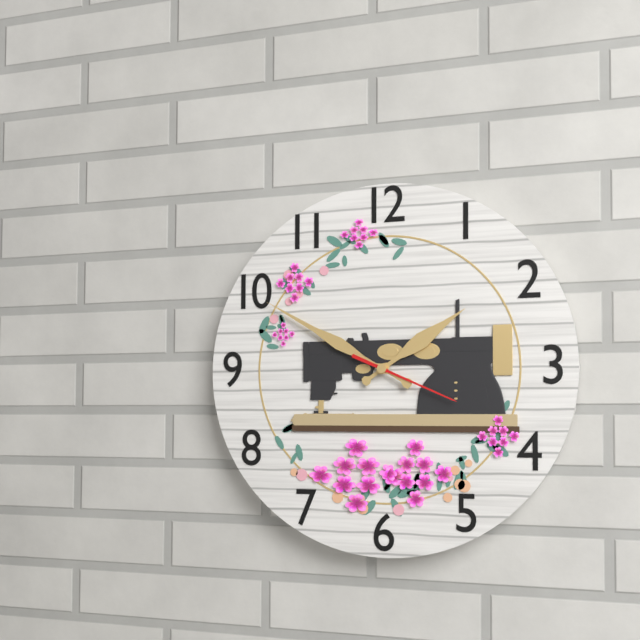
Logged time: 1 h 50 min 19 s
